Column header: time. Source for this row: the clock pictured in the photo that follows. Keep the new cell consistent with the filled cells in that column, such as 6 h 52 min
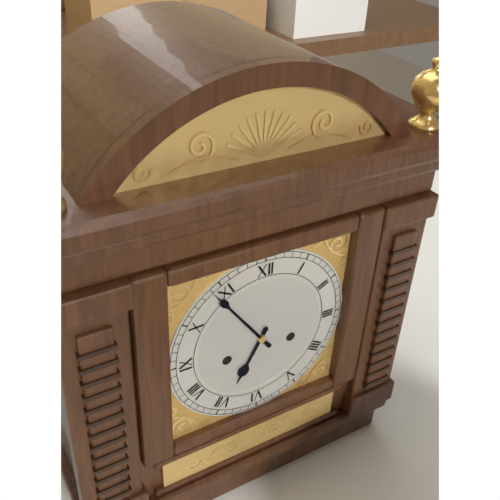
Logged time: 6 h 54 min
